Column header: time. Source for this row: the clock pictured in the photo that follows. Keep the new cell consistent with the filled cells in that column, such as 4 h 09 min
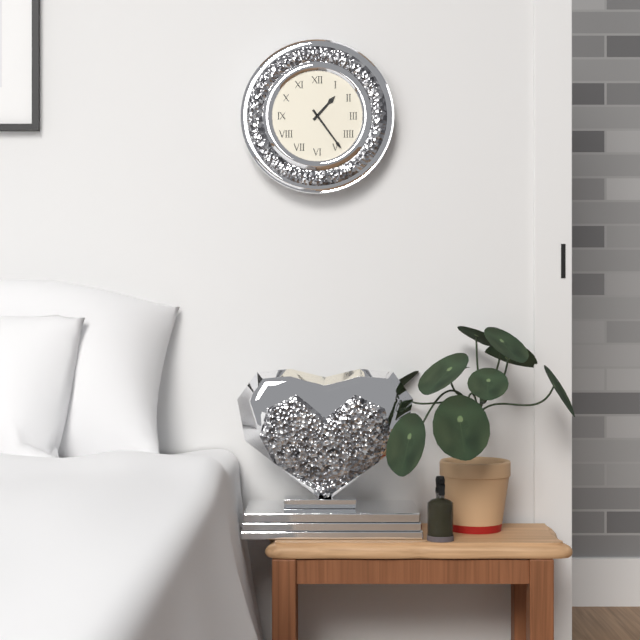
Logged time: 1 h 24 min
